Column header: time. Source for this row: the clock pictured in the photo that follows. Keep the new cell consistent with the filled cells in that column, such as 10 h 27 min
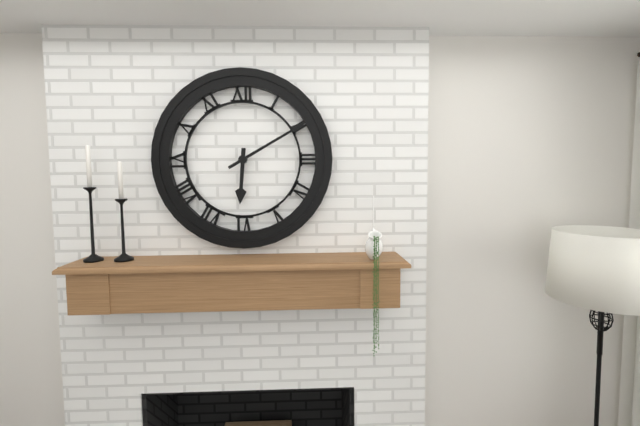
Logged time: 6 h 10 min
